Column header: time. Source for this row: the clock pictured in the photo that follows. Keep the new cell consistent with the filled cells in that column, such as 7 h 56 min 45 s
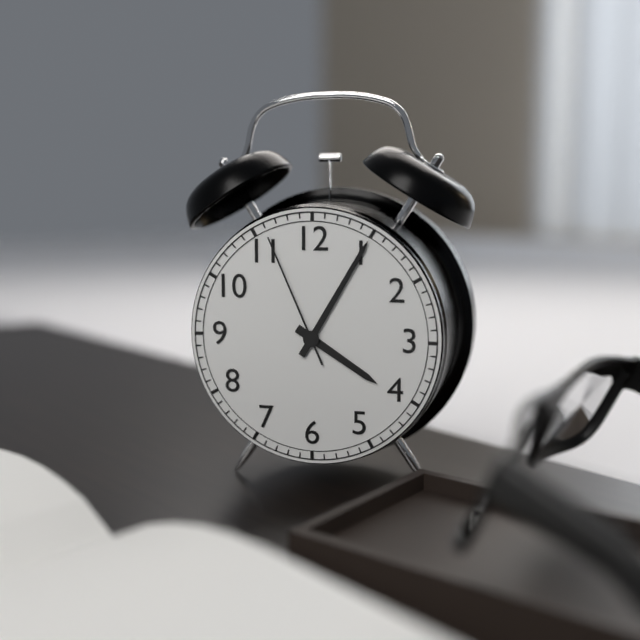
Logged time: 4 h 05 min 56 s
